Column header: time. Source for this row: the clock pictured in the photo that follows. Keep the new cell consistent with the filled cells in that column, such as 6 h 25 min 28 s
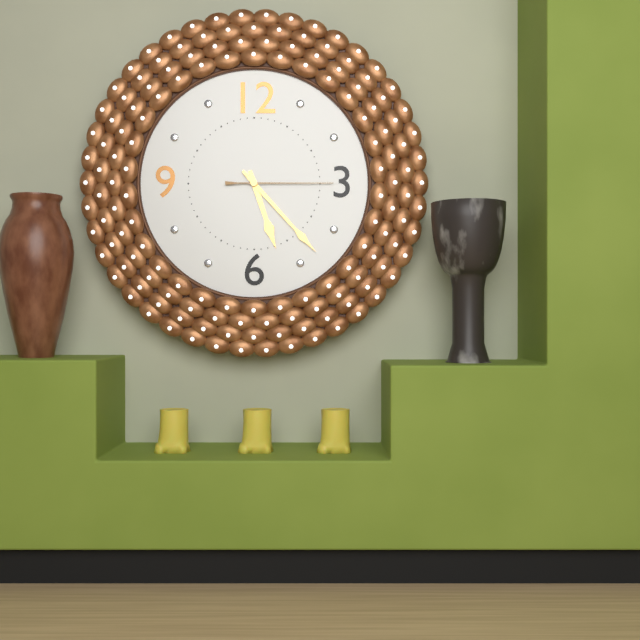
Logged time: 5 h 23 min 15 s
